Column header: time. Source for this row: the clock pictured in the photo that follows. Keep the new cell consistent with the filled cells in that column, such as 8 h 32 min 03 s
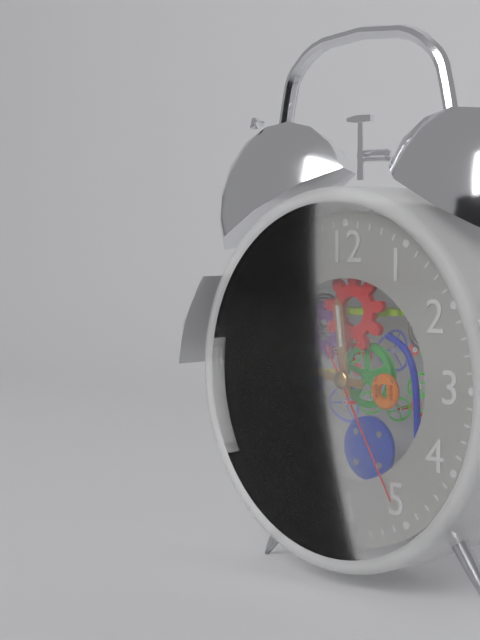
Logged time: 11 h 46 min 25 s
